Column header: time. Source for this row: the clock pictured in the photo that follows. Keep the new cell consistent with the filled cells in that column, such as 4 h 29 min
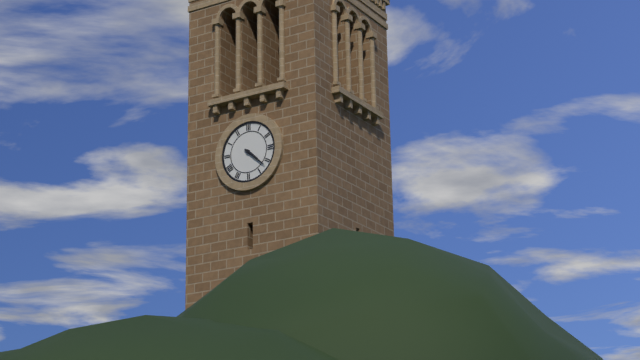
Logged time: 4 h 22 min
